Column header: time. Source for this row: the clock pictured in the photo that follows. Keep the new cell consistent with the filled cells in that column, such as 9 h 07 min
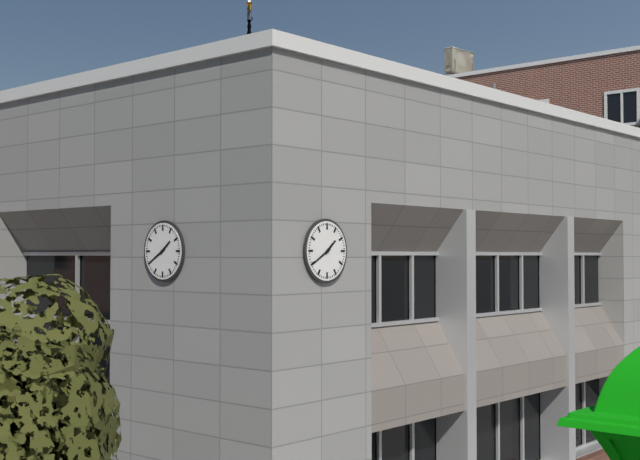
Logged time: 1 h 40 min
